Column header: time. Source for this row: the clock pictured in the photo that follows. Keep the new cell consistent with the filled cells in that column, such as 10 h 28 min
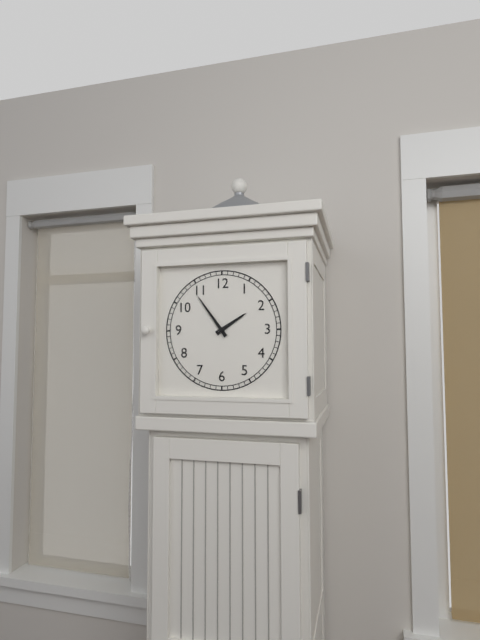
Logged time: 1 h 54 min
